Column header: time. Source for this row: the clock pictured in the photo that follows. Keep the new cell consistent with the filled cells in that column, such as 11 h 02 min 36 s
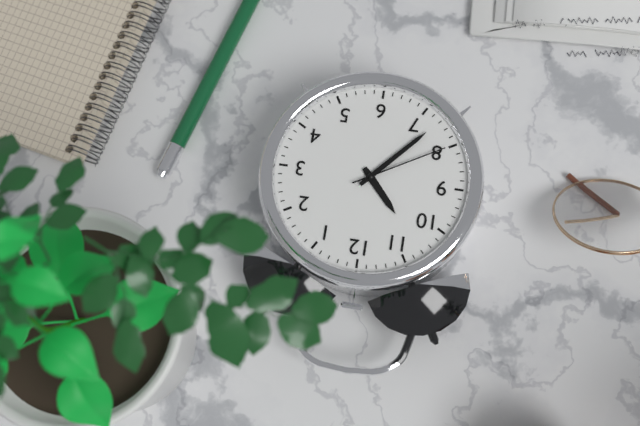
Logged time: 10 h 37 min 40 s
